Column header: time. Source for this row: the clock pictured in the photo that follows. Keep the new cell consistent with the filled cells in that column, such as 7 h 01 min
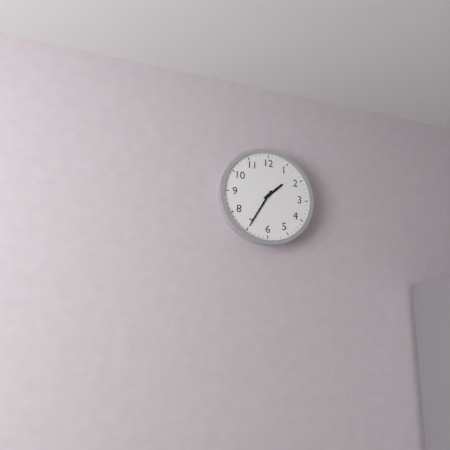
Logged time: 1 h 35 min
